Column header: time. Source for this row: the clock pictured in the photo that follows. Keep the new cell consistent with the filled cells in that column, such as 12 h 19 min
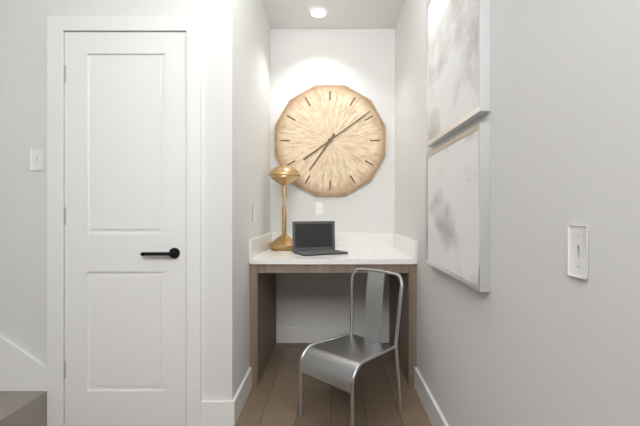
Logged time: 7 h 09 min
